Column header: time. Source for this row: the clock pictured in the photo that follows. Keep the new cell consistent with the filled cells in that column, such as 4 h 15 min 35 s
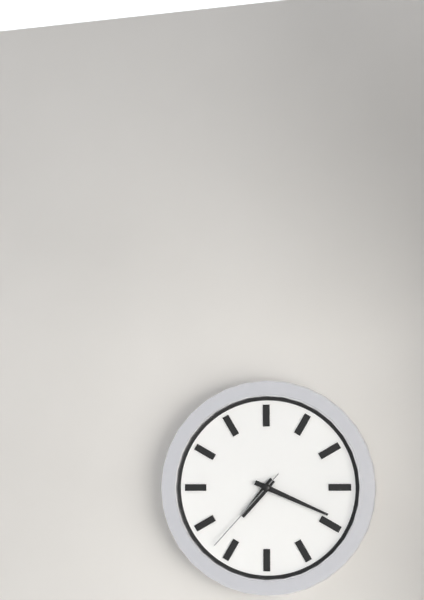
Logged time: 7 h 19 min 37 s
